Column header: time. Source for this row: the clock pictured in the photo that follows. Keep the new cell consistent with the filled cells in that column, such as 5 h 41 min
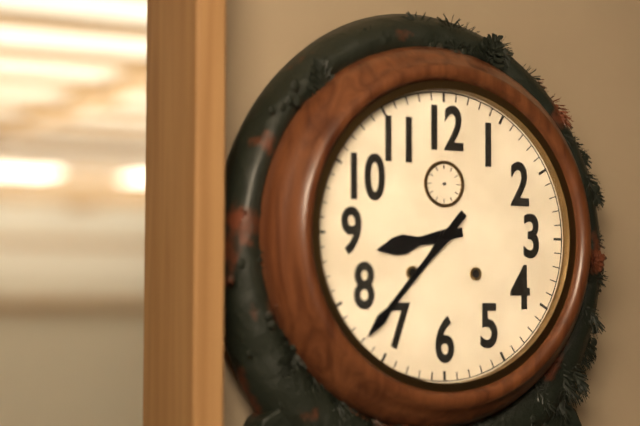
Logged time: 8 h 37 min
